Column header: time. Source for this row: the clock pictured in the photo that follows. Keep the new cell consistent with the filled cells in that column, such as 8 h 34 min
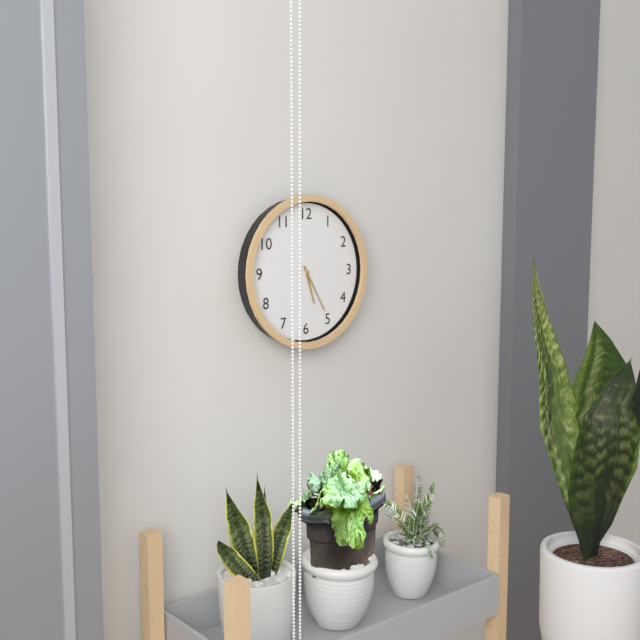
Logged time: 5 h 25 min
